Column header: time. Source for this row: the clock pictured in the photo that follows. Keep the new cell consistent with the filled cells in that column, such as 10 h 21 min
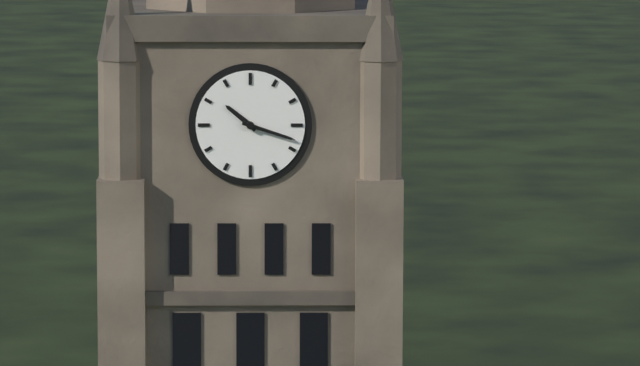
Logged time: 10 h 18 min
